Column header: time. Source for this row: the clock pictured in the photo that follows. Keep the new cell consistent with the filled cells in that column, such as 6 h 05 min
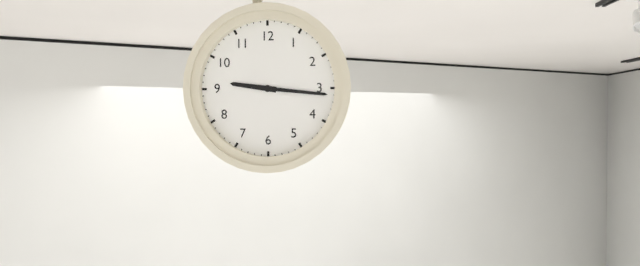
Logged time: 9 h 16 min
